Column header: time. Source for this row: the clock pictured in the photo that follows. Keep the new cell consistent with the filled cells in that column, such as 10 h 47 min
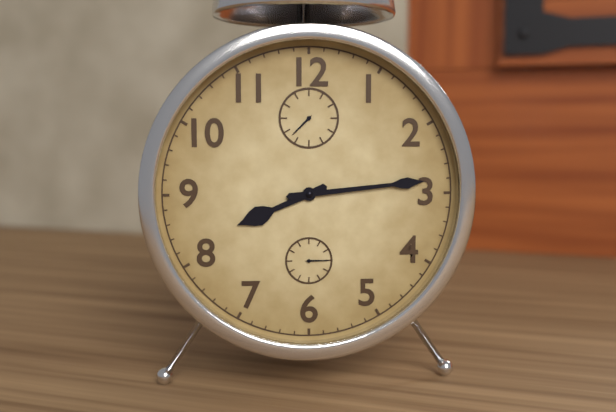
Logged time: 8 h 14 min
